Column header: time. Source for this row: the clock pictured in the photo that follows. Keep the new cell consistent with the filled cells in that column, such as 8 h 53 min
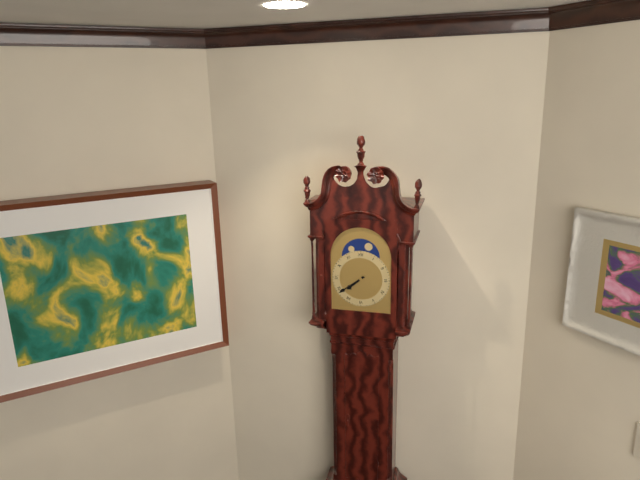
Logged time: 7 h 39 min
